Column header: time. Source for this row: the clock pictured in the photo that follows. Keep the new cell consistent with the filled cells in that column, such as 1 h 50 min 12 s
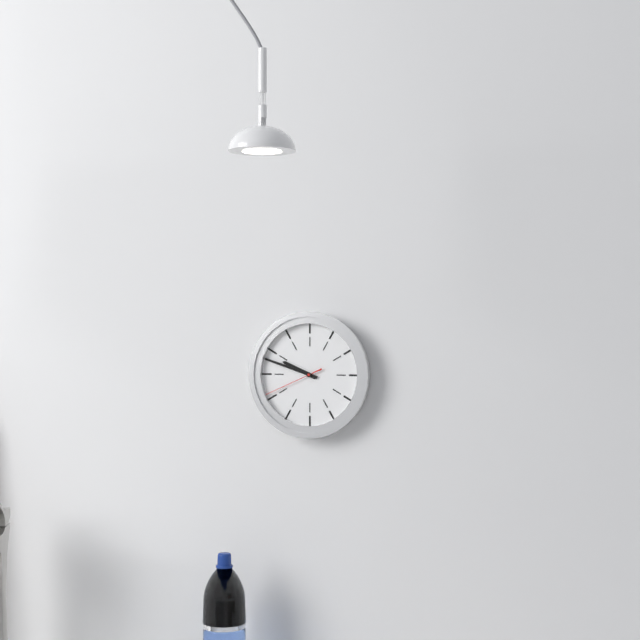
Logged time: 9 h 48 min 41 s
